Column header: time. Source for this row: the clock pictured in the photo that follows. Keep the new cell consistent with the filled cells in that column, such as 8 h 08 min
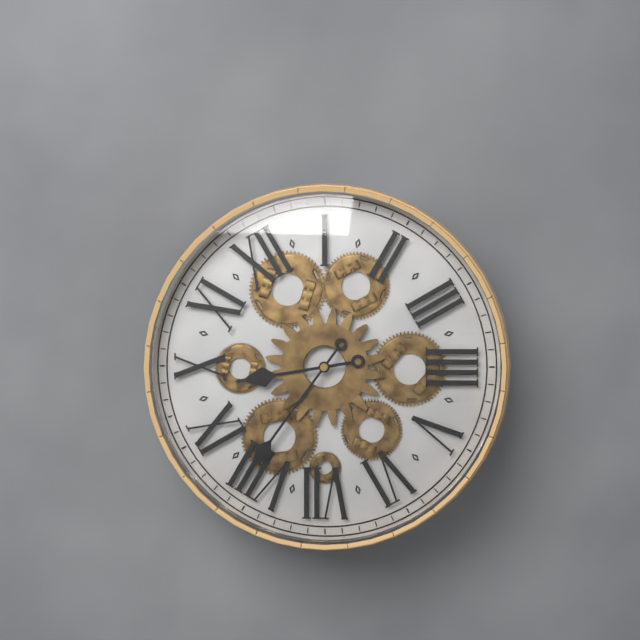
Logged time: 9 h 41 min
